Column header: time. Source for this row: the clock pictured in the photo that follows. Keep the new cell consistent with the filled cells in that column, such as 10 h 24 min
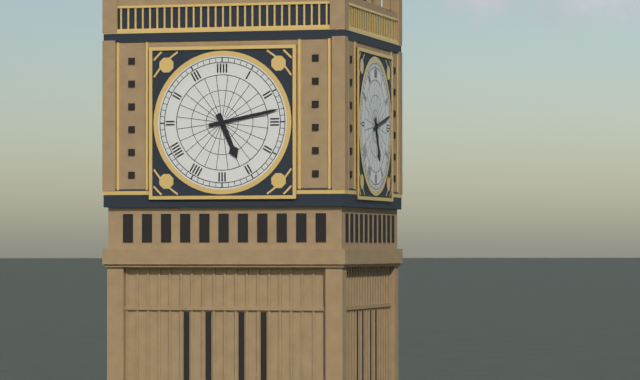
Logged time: 5 h 13 min
